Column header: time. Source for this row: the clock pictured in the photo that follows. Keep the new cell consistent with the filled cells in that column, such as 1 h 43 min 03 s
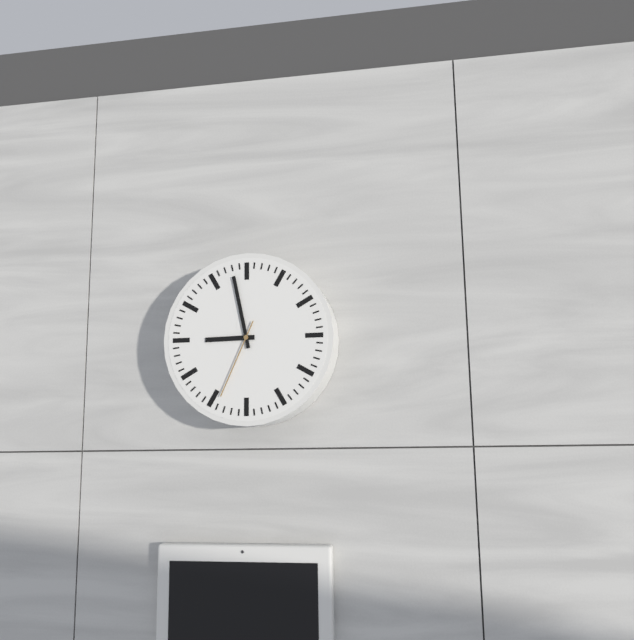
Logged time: 8 h 58 min 34 s
